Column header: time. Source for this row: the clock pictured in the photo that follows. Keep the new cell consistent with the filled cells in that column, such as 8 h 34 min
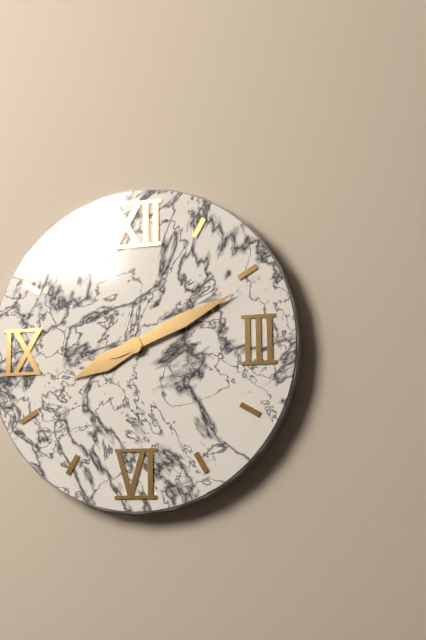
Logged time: 8 h 11 min
